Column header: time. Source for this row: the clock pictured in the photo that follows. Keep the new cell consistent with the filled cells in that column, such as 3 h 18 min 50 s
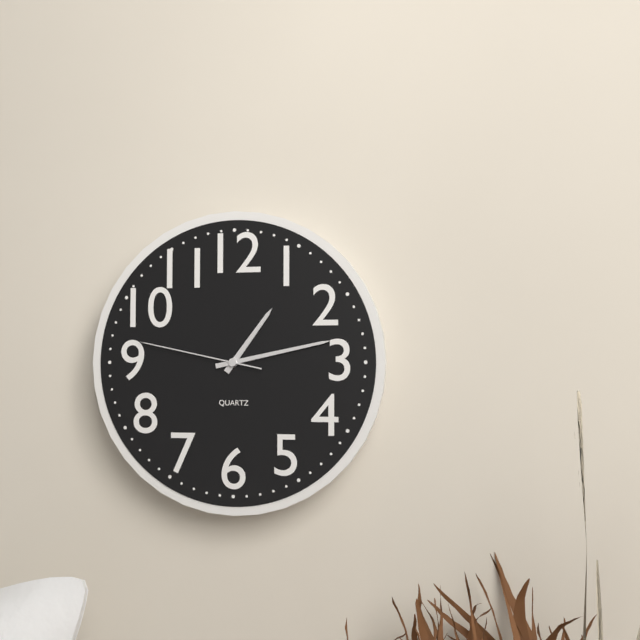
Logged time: 1 h 13 min 47 s
